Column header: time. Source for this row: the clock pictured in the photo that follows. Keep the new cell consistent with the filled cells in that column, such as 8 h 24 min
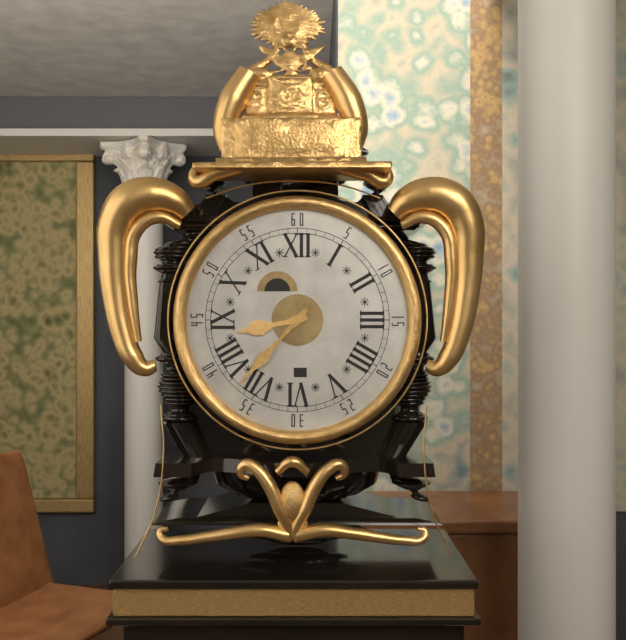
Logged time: 8 h 37 min
